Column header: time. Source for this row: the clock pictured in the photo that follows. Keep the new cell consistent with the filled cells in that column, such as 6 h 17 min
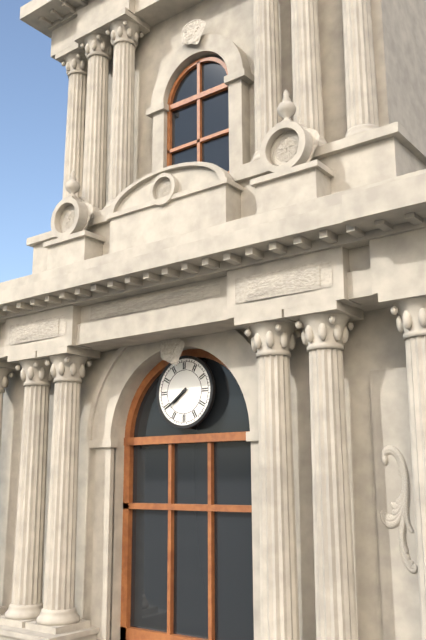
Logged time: 7 h 39 min
